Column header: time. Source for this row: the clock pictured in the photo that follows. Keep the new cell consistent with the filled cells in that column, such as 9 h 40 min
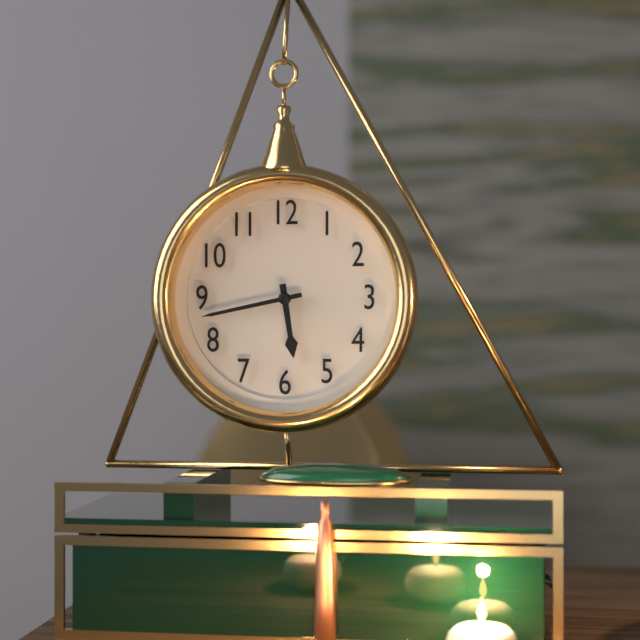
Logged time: 5 h 43 min
